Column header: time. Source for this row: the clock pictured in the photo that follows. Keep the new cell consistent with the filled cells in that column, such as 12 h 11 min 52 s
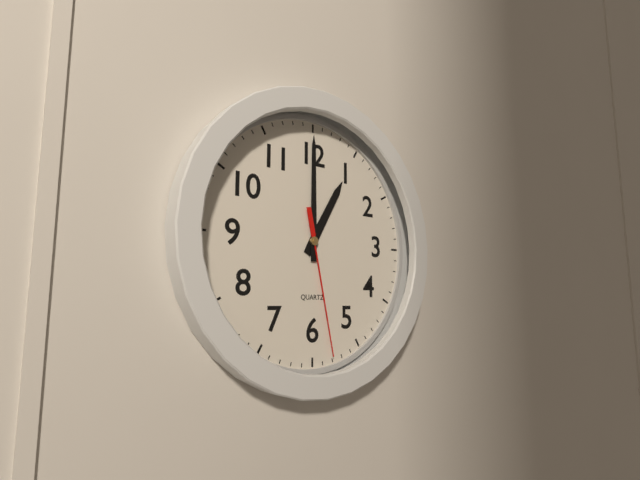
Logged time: 1 h 00 min 28 s
